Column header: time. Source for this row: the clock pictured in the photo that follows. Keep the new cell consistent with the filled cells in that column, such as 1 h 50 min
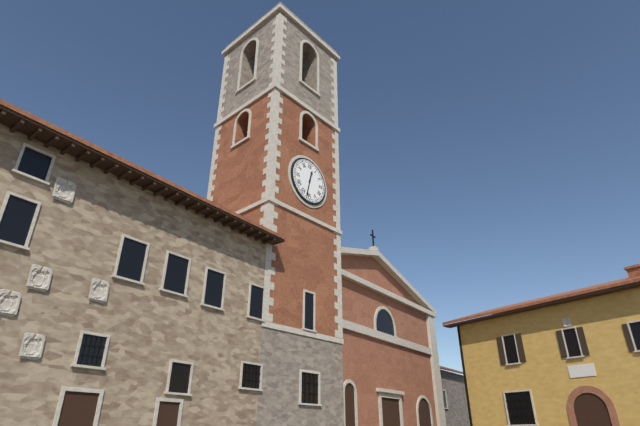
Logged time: 12 h 32 min
